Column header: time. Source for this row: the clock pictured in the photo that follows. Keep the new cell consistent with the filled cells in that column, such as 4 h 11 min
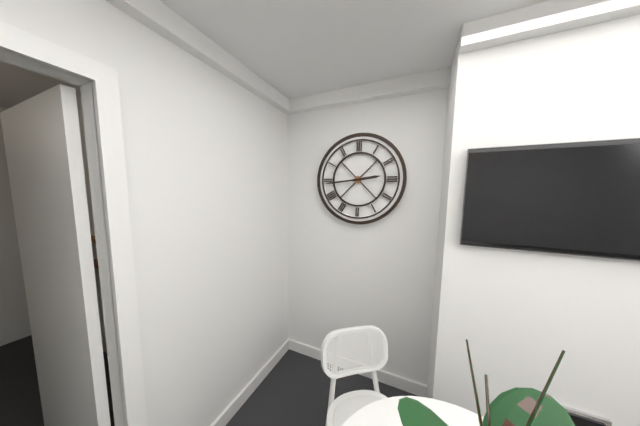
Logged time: 2 h 44 min
